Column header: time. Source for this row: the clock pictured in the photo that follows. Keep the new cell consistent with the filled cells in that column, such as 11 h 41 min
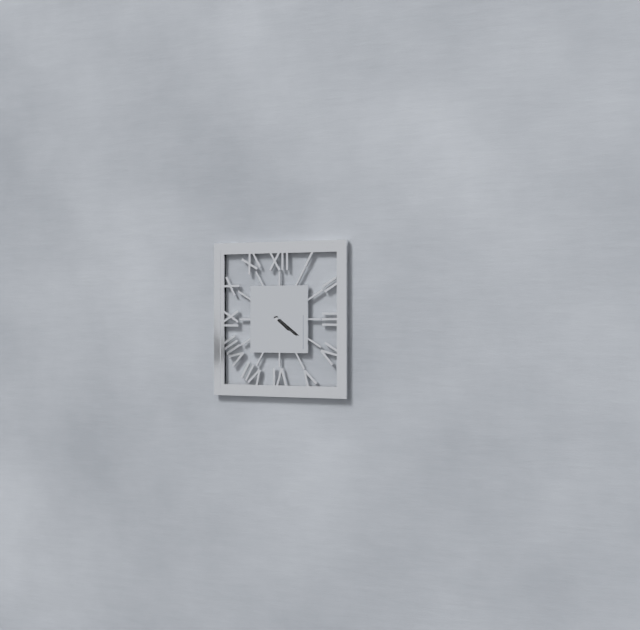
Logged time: 4 h 21 min
